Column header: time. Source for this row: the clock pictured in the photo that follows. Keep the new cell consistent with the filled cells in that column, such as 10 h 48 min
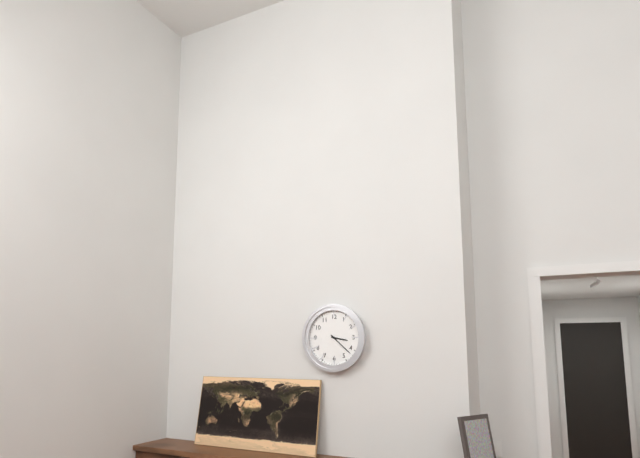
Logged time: 3 h 22 min
